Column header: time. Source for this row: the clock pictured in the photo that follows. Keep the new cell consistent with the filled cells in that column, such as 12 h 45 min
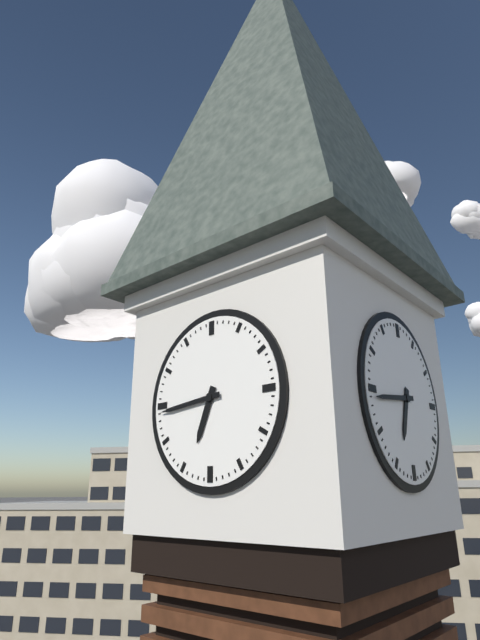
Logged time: 6 h 44 min
